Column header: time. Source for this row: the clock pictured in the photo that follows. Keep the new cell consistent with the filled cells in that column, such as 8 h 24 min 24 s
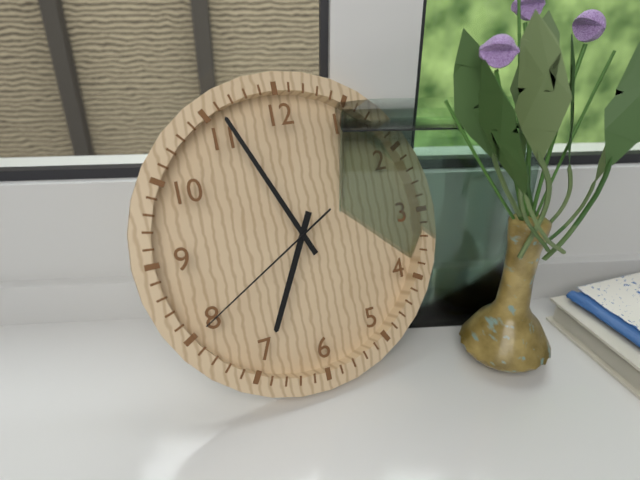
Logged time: 6 h 56 min 40 s
